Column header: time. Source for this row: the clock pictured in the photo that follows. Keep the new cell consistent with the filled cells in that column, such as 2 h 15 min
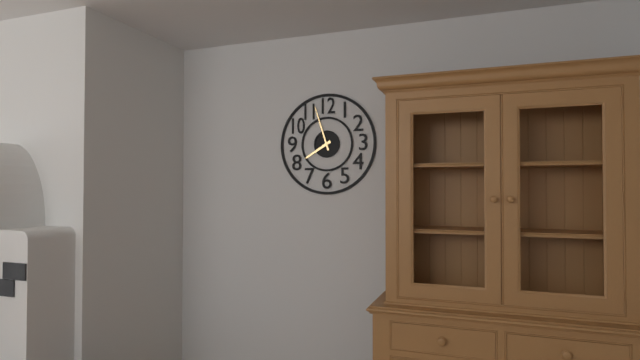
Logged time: 7 h 57 min
